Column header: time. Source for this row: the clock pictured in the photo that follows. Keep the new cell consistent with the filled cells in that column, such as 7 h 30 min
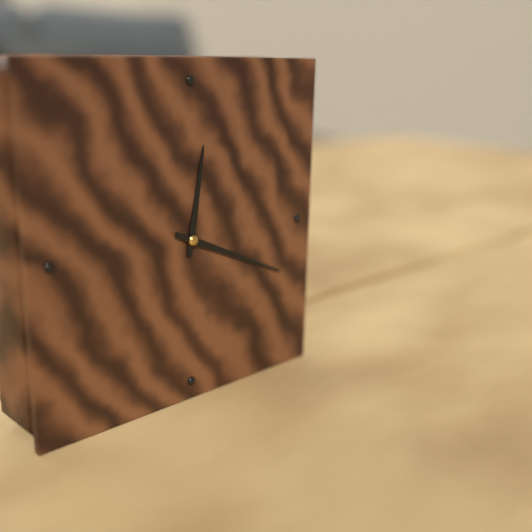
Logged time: 12 h 19 min
